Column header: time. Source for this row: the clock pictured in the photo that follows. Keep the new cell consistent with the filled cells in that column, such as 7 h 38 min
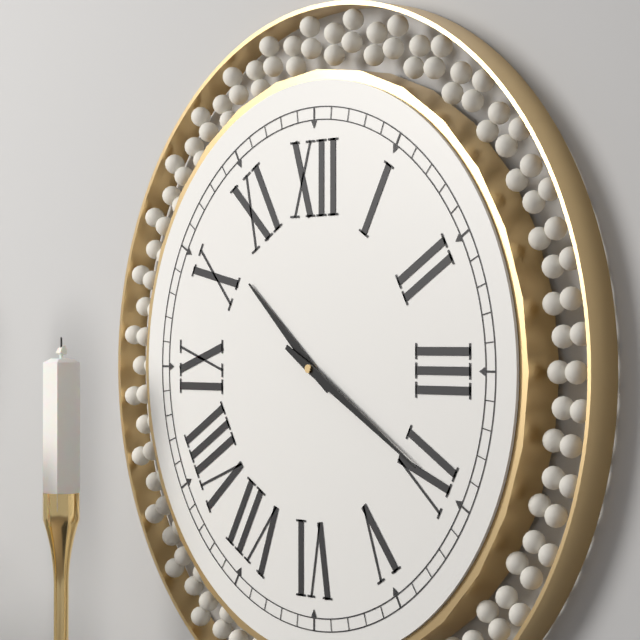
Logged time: 10 h 20 min
